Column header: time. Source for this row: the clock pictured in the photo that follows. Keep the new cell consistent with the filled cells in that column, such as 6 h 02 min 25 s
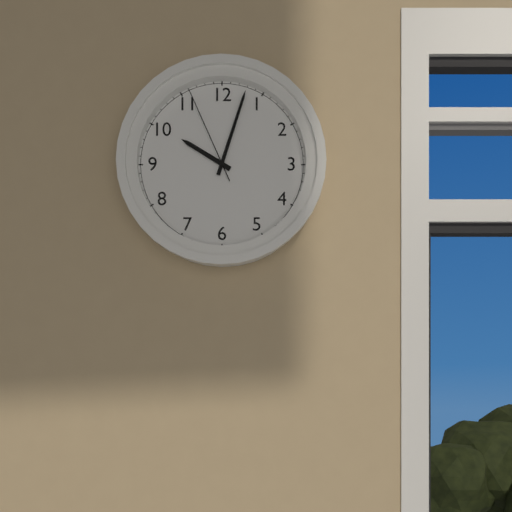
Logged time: 10 h 03 min 56 s
